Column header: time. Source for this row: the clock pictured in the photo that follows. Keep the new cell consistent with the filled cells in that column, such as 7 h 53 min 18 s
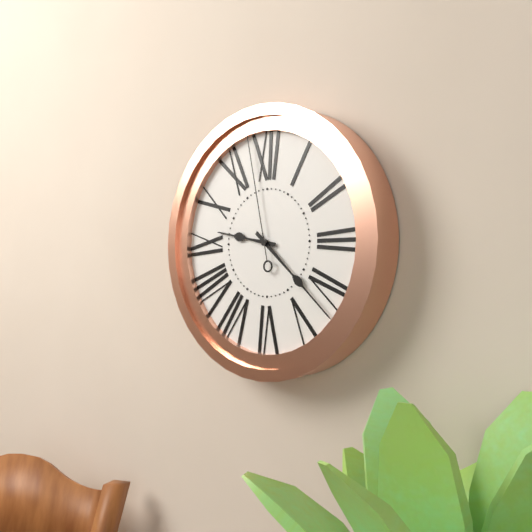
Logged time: 9 h 22 min 58 s
